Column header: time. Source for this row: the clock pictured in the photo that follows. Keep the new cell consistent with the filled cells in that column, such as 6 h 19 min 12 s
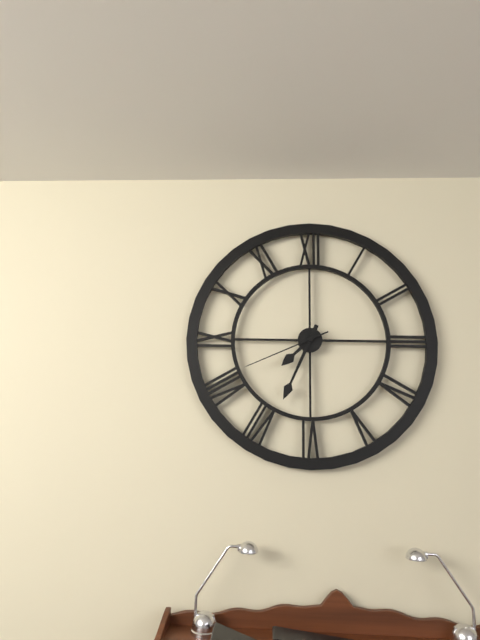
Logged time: 7 h 34 min 41 s
